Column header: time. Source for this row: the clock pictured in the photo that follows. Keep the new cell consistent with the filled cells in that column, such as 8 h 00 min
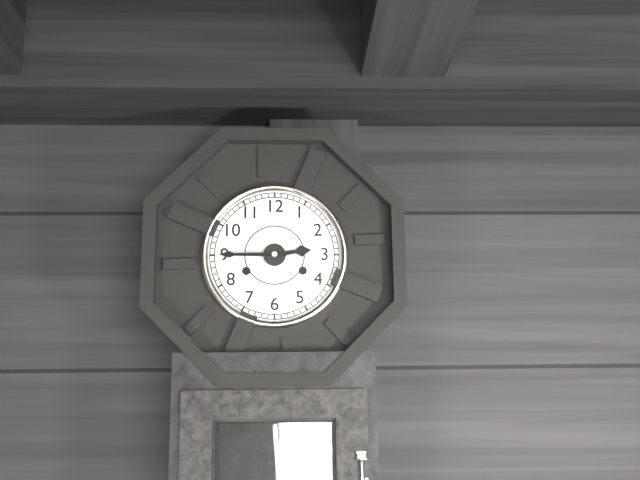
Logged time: 2 h 45 min
